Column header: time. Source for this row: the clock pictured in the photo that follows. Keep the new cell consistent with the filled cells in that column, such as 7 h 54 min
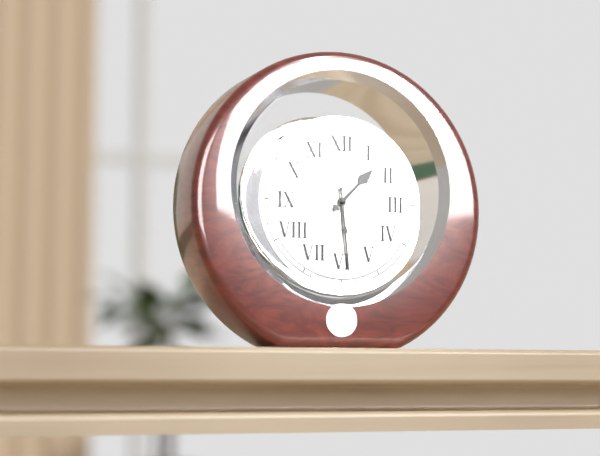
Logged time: 1 h 29 min
